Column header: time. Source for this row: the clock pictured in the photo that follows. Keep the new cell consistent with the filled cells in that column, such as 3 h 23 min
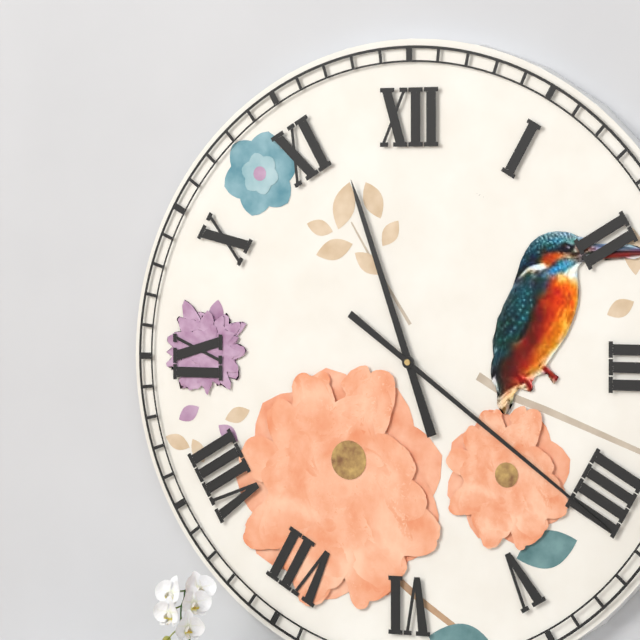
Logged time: 11 h 21 min
